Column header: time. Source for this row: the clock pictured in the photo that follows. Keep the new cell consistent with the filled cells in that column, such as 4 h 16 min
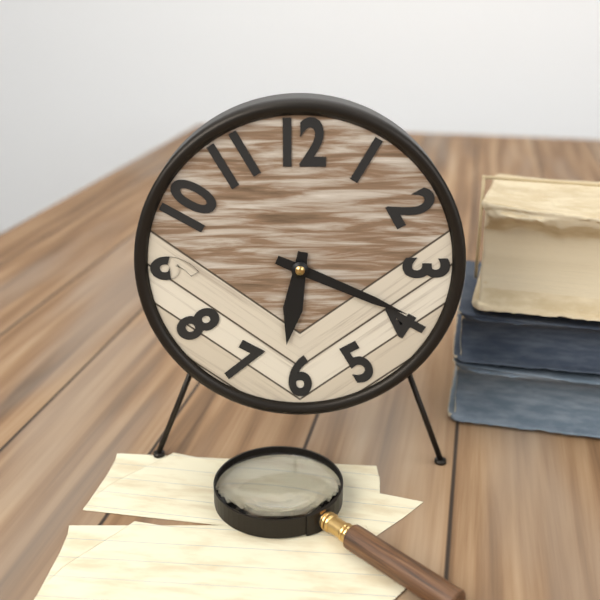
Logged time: 6 h 19 min
